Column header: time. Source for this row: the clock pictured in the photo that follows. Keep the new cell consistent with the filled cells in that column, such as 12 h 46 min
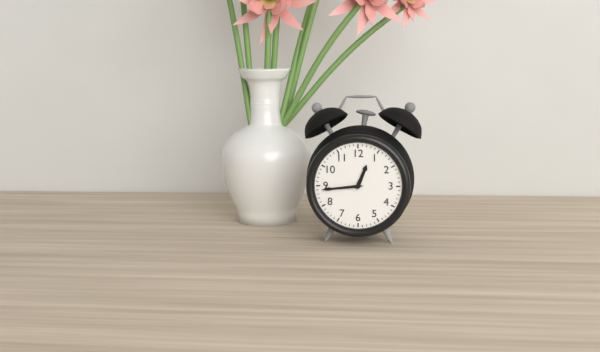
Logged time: 12 h 44 min
